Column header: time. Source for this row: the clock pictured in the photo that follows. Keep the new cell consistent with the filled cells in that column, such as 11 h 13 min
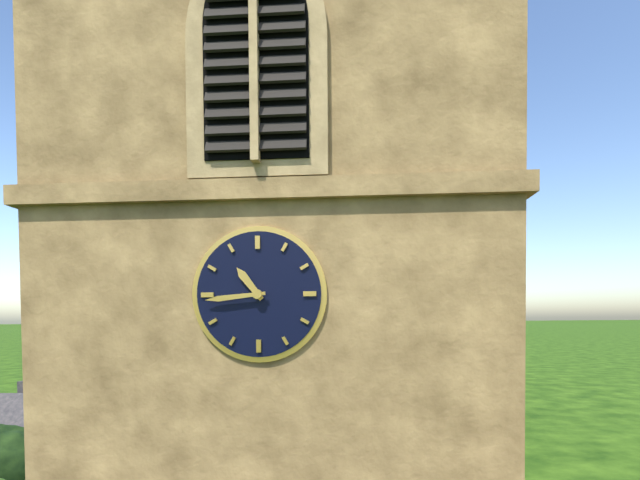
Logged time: 10 h 44 min
